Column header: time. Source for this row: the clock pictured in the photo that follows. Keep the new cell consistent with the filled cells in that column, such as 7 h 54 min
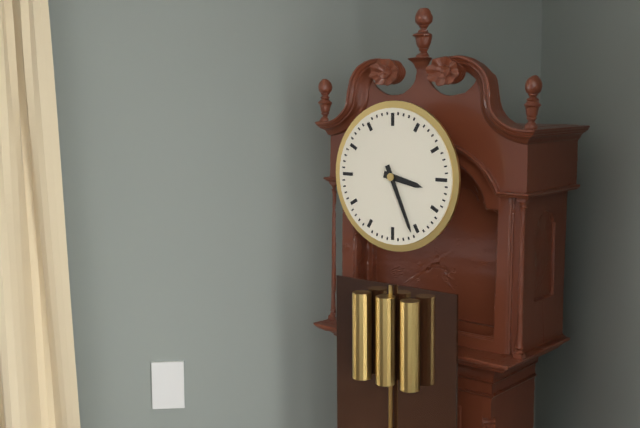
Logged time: 3 h 26 min
